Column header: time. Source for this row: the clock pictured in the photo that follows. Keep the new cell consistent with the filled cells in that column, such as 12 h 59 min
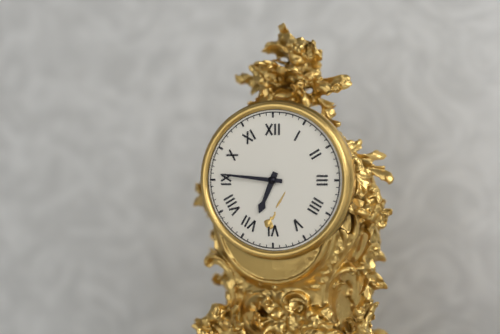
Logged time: 6 h 46 min
